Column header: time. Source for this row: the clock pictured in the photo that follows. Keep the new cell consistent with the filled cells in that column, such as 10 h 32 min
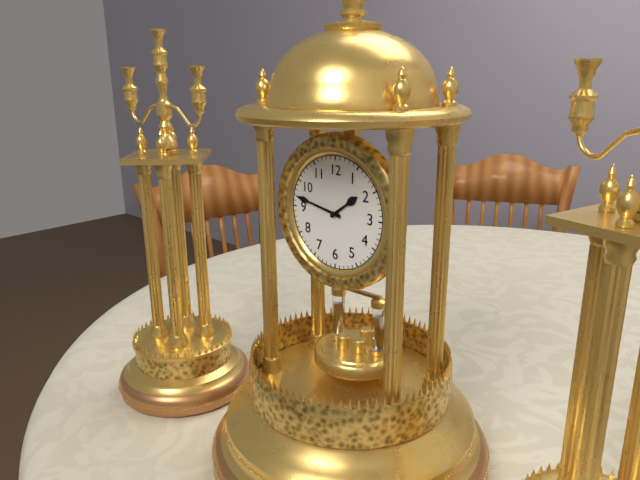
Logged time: 1 h 47 min
